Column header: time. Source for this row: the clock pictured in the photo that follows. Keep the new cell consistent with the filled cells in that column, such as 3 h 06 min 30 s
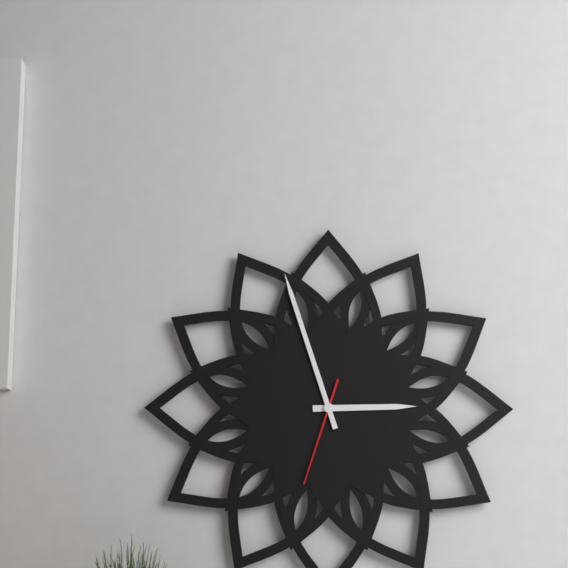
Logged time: 2 h 57 min 33 s
